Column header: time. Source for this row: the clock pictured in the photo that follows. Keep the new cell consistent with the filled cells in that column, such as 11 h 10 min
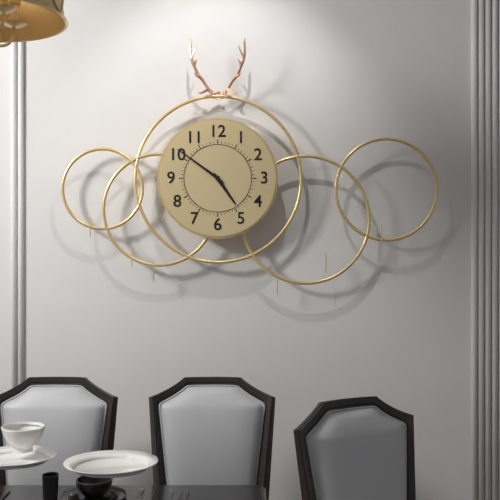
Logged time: 4 h 51 min
